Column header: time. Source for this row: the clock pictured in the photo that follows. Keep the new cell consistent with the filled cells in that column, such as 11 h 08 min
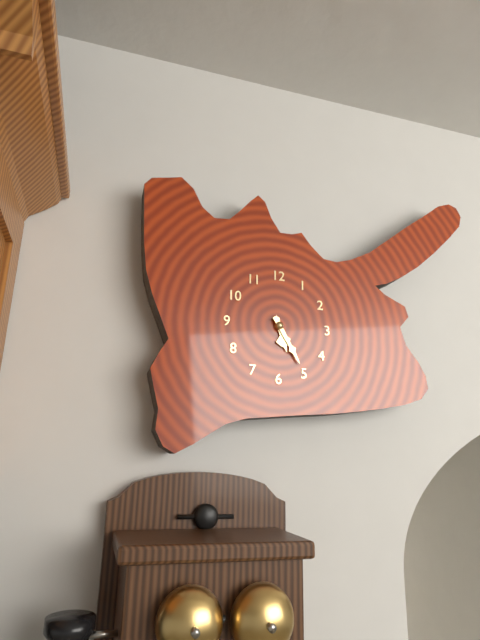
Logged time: 5 h 25 min
